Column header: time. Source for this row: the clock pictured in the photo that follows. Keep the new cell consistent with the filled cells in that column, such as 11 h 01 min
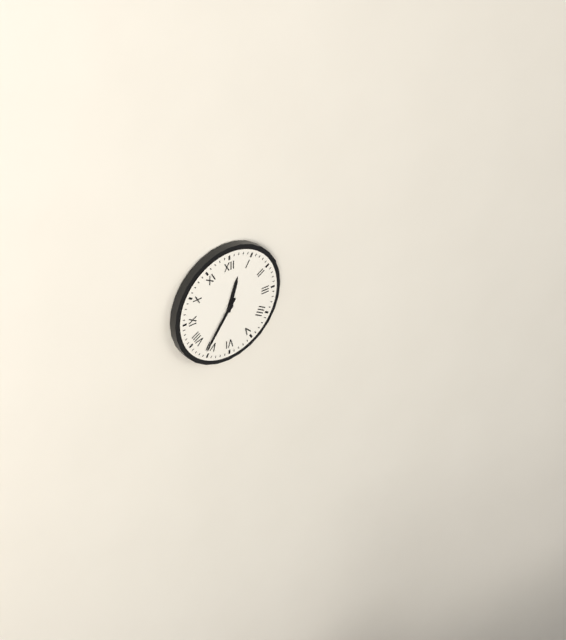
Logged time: 12 h 36 min
